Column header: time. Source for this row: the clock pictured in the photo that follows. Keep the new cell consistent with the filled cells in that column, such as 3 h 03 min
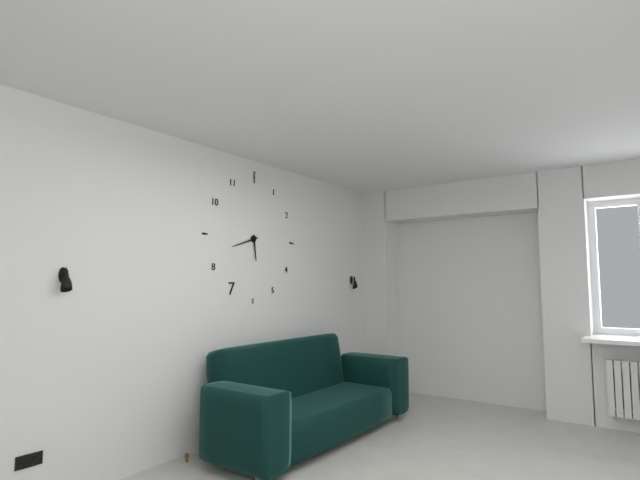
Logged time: 5 h 42 min
